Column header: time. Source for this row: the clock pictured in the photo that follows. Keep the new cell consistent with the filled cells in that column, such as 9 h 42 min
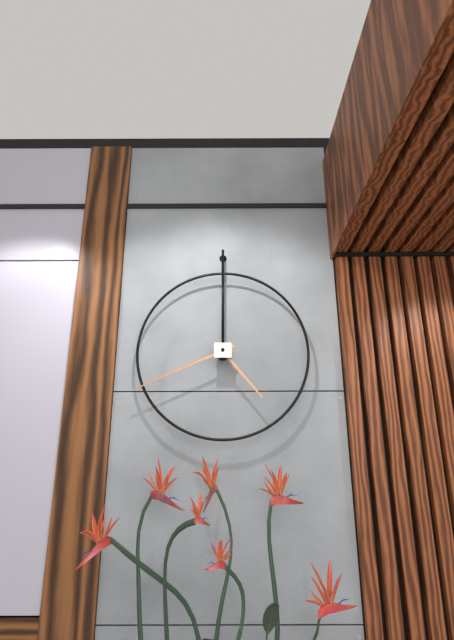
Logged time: 4 h 41 min
